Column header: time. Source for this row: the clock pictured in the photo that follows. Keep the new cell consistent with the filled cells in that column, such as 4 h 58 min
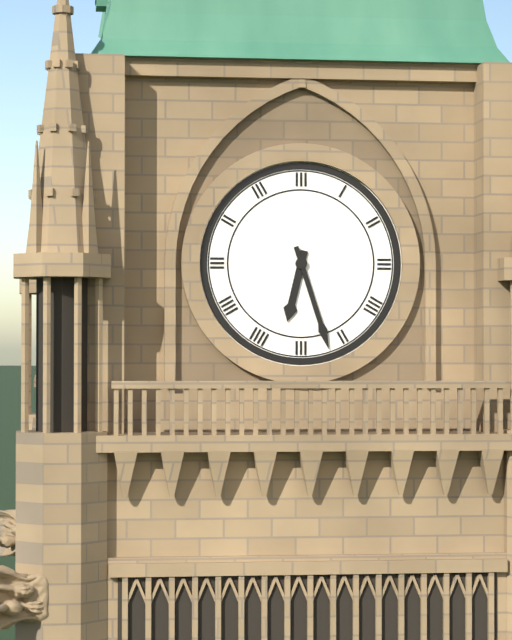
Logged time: 6 h 27 min
